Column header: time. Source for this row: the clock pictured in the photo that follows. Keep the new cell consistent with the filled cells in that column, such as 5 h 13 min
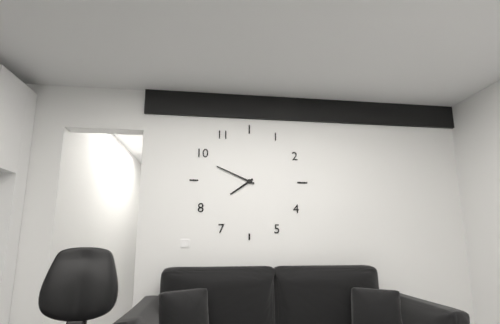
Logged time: 7 h 49 min
